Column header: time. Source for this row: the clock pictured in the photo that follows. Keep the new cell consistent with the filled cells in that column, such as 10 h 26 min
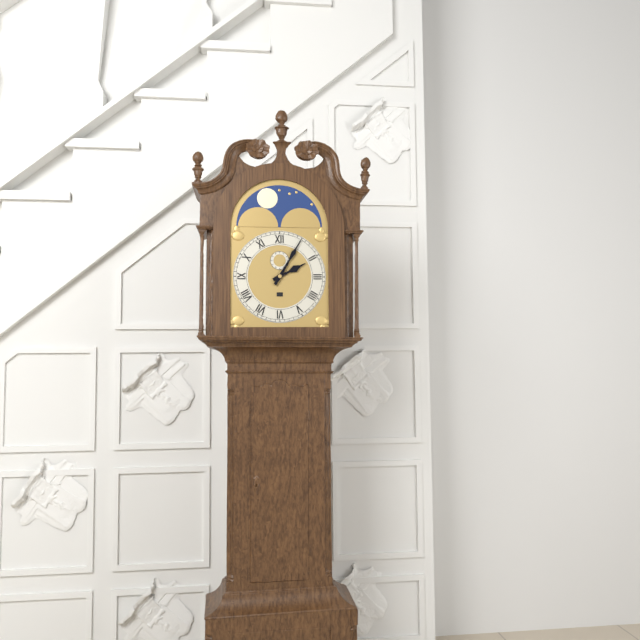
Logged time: 2 h 05 min
